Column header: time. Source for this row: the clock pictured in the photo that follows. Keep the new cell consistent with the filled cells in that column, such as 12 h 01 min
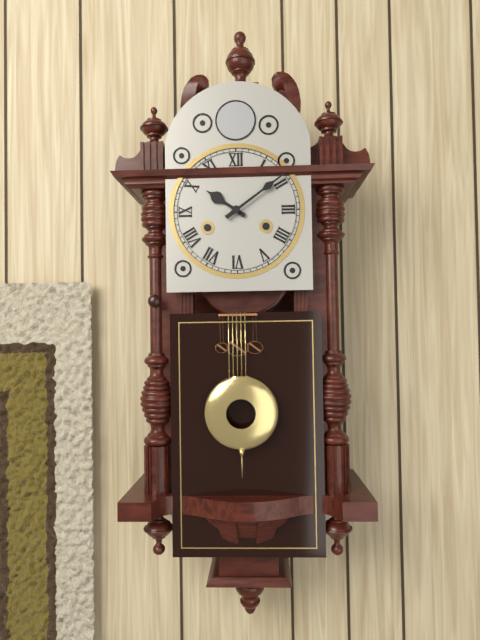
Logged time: 10 h 09 min
